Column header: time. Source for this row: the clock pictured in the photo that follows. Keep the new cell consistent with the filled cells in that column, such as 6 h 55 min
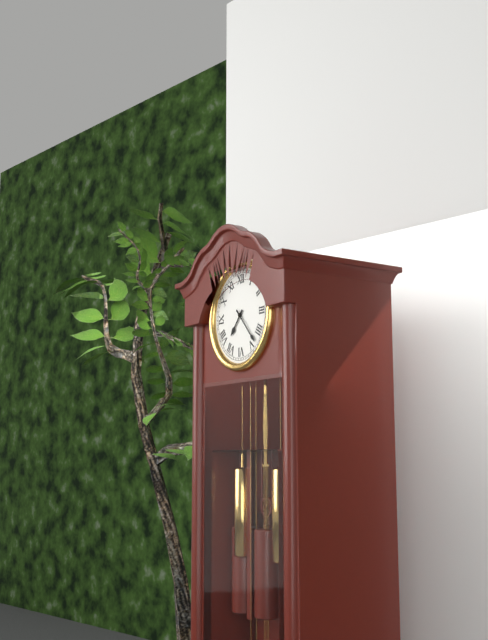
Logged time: 7 h 23 min
